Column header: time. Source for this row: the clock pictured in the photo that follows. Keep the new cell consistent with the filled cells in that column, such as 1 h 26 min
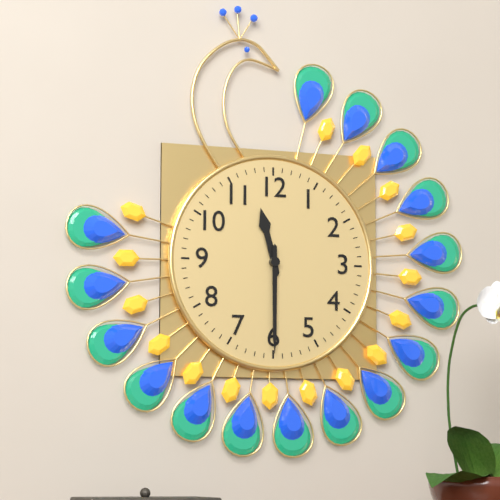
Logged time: 11 h 30 min
